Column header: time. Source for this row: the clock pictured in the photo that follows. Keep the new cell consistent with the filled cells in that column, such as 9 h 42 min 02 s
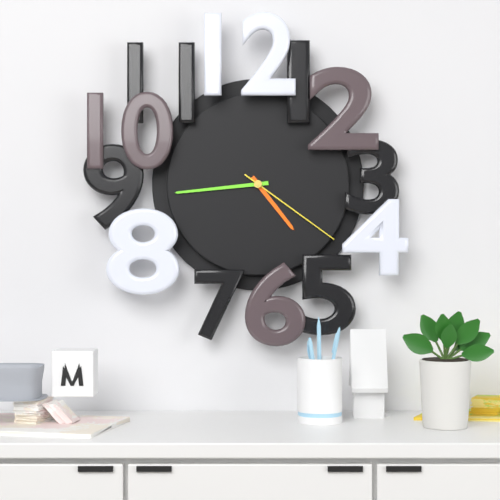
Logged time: 4 h 44 min 21 s
